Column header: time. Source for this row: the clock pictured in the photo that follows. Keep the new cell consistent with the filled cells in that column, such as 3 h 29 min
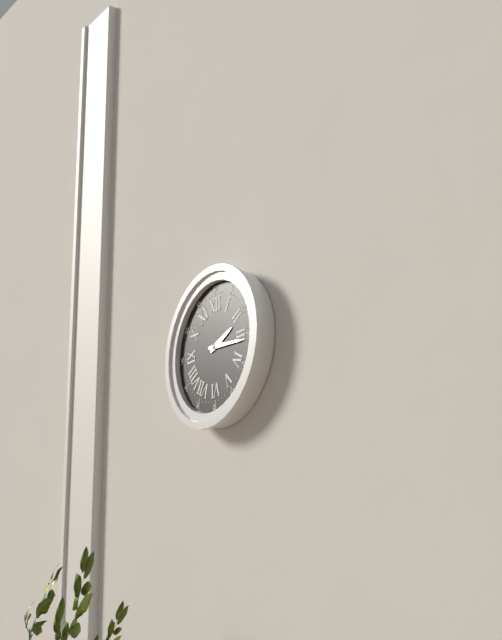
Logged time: 2 h 16 min
